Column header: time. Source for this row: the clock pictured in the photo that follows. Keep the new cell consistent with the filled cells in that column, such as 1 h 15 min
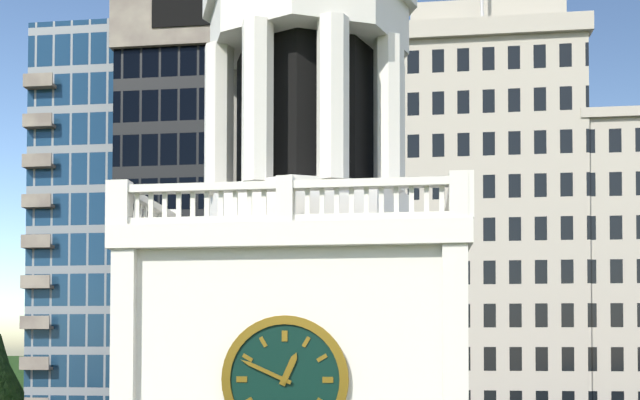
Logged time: 12 h 49 min
